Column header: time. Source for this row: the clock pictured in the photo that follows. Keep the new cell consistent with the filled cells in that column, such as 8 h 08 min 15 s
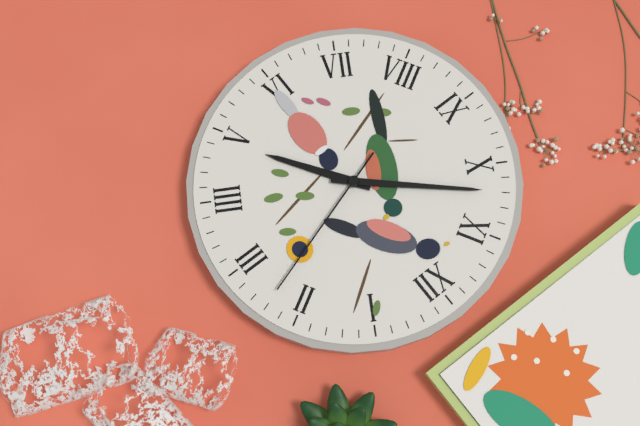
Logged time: 4 h 52 min 12 s
